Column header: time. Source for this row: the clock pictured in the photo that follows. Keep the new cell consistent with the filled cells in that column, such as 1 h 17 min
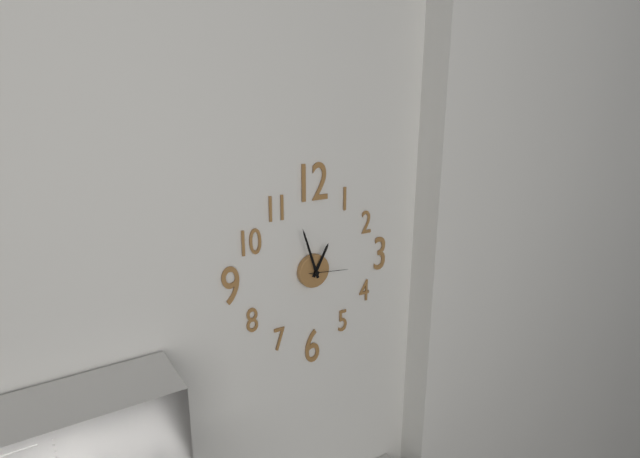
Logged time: 12 h 57 min
